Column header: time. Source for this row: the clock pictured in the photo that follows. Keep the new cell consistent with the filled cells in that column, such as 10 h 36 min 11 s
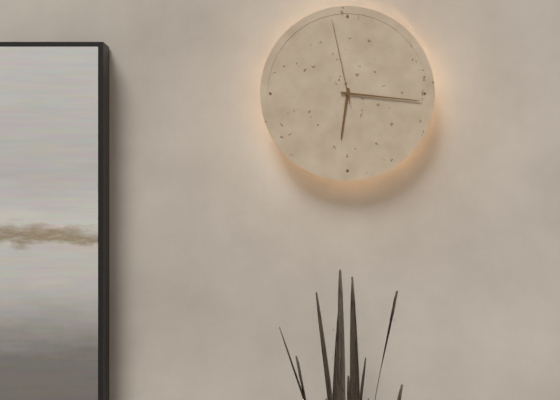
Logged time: 6 h 16 min 58 s
